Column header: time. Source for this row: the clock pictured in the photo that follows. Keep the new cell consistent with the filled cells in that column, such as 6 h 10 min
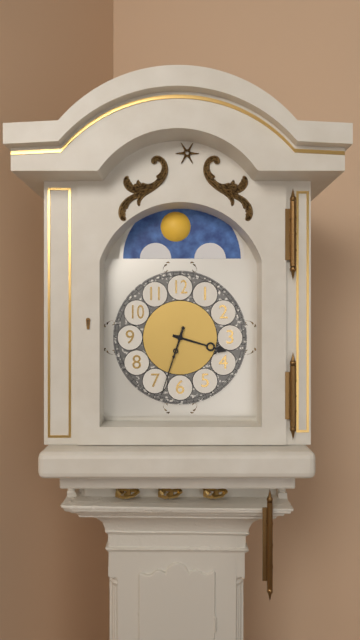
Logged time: 3 h 33 min
